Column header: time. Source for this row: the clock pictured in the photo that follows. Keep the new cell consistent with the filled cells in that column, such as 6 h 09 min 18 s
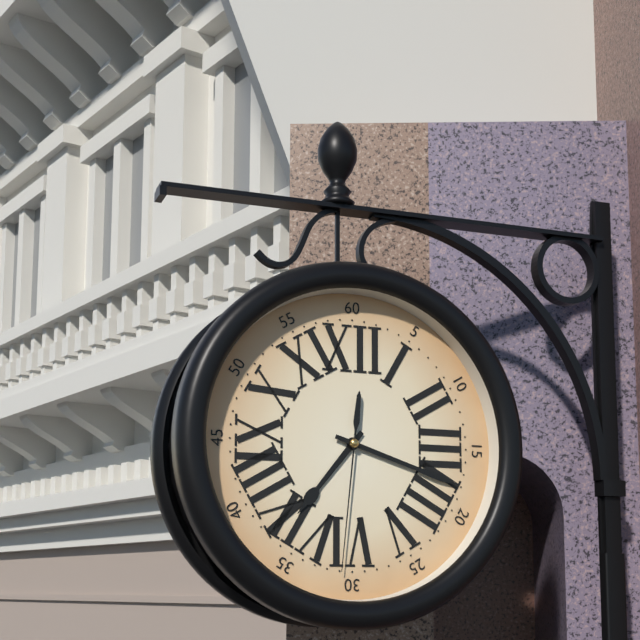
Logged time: 7 h 18 min 31 s
